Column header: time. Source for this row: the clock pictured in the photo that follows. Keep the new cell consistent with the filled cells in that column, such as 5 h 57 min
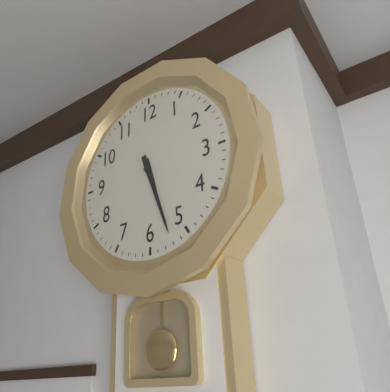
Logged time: 5 h 27 min
